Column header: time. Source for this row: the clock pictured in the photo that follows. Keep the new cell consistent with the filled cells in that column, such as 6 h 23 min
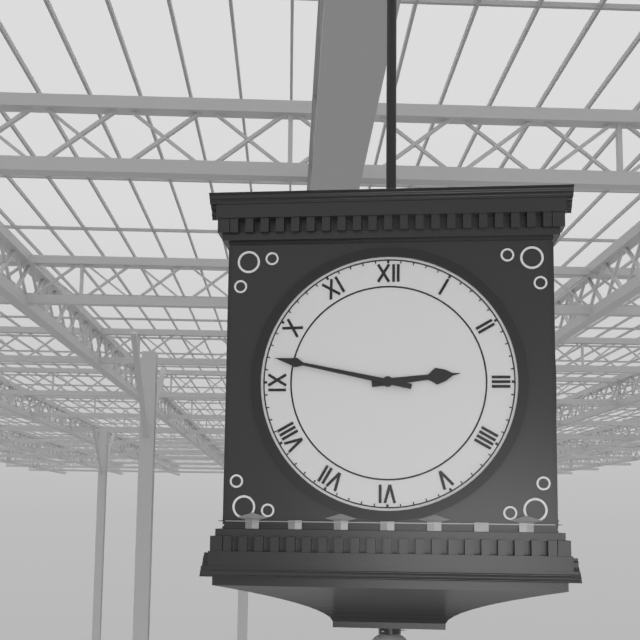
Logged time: 2 h 47 min
